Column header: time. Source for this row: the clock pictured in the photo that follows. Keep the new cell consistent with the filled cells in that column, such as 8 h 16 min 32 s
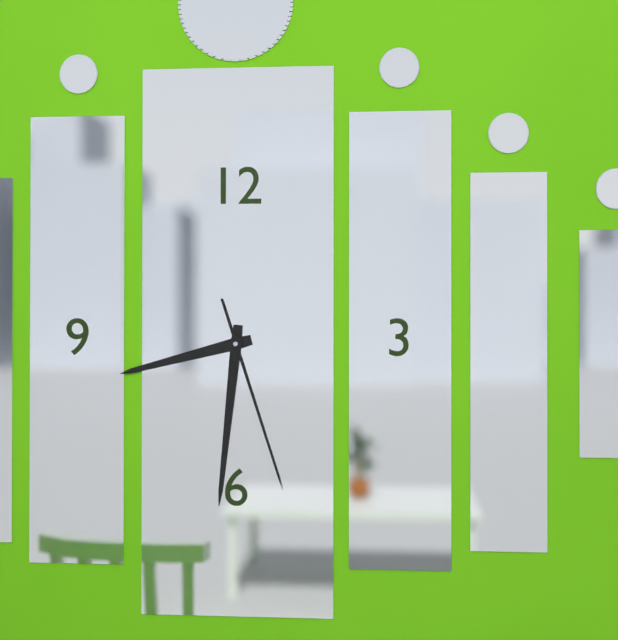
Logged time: 8 h 31 min 27 s
